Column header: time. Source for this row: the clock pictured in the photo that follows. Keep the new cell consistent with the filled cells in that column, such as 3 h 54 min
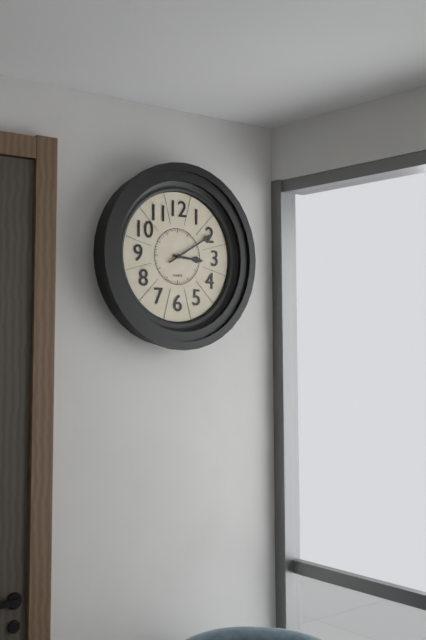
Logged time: 3 h 10 min
